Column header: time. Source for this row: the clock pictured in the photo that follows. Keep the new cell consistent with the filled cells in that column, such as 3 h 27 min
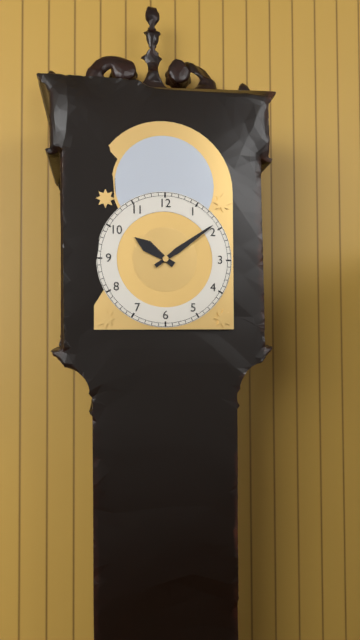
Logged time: 10 h 09 min
